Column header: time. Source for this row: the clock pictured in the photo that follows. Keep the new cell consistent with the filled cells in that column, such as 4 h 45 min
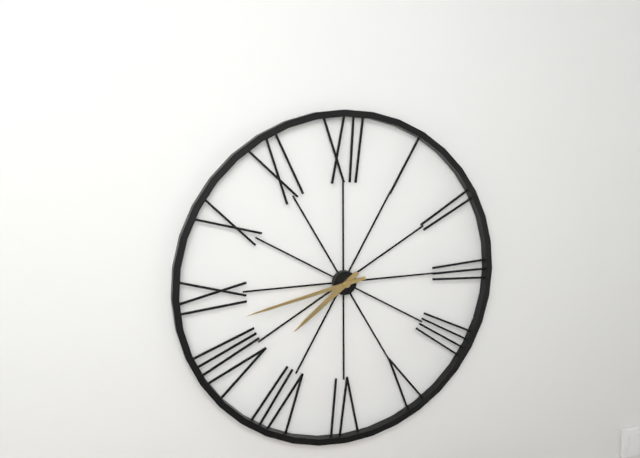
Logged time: 7 h 43 min
